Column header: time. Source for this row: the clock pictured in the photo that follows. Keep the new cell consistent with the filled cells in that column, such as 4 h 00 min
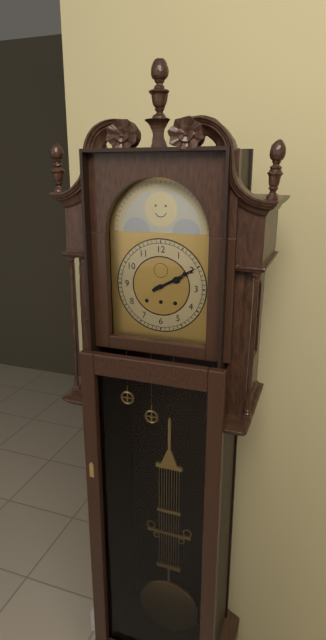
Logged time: 2 h 10 min
